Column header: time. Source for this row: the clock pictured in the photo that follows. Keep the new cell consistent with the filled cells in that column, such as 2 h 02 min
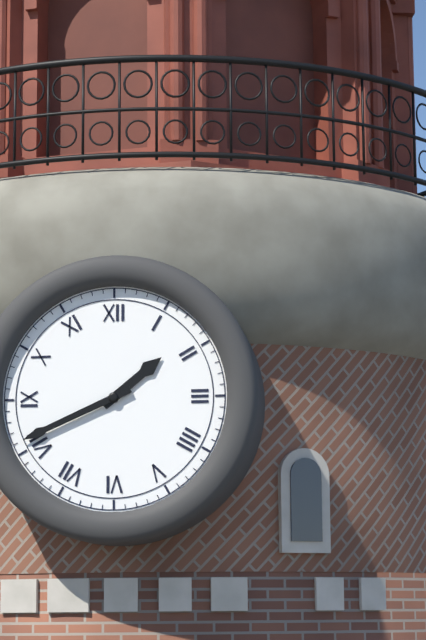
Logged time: 1 h 41 min
